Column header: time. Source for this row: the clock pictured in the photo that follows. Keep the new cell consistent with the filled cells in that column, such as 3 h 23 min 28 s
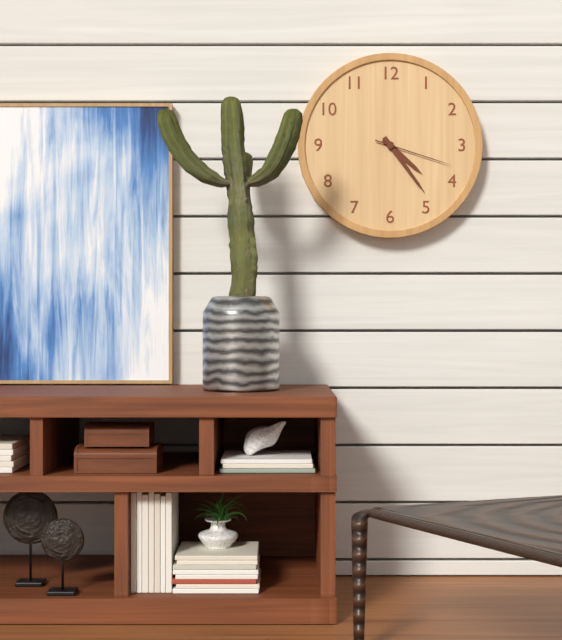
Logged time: 4 h 24 min 18 s
